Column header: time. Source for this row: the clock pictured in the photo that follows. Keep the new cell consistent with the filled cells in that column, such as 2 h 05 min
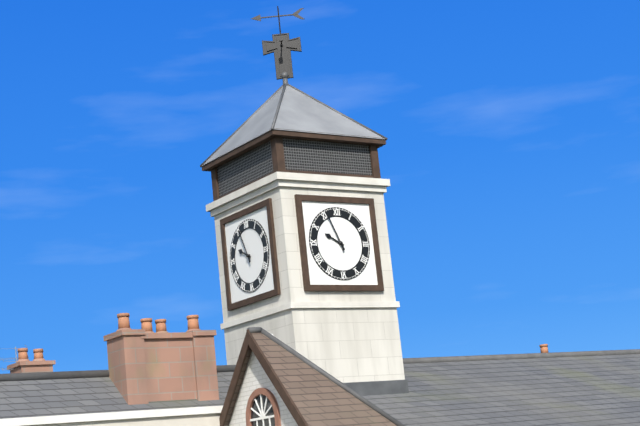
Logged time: 9 h 56 min
